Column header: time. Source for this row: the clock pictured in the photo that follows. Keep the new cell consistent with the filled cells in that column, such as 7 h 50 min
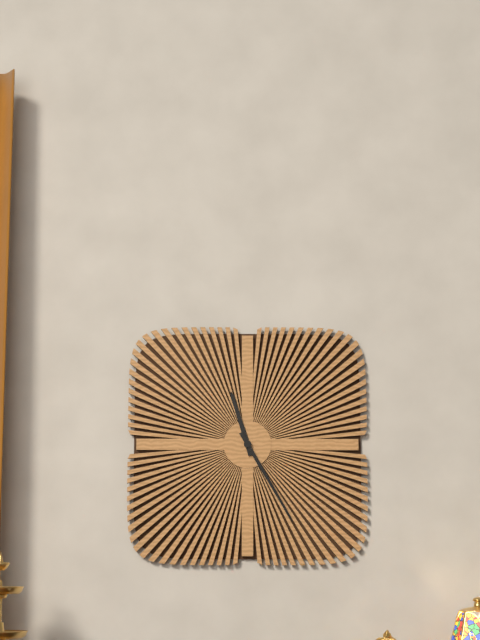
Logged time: 11 h 25 min
